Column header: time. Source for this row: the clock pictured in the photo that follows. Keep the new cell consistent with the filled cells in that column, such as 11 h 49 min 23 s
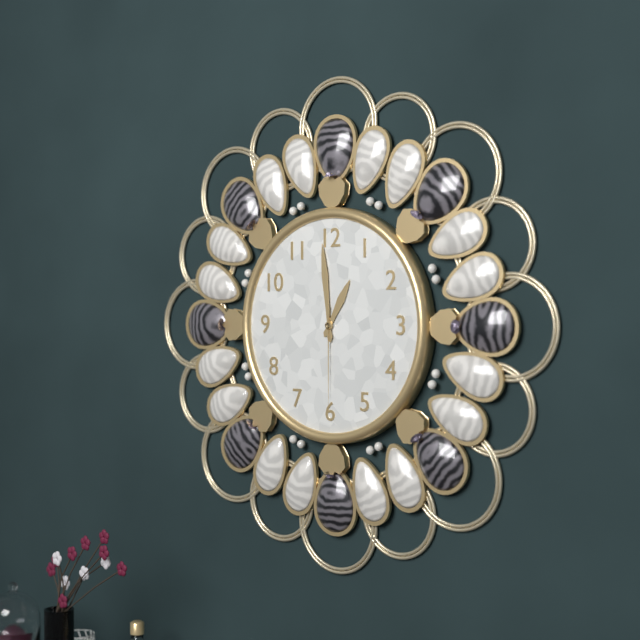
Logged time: 12 h 59 min 30 s
